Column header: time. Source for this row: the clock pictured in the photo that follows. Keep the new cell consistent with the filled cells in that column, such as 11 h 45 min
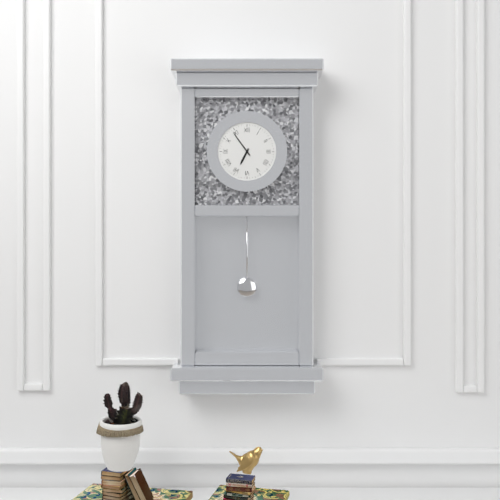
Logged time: 6 h 54 min
